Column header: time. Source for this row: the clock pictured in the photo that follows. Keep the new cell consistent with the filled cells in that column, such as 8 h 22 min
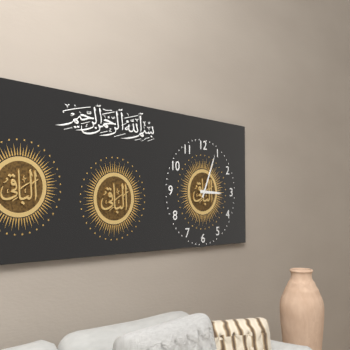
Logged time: 3 h 04 min
